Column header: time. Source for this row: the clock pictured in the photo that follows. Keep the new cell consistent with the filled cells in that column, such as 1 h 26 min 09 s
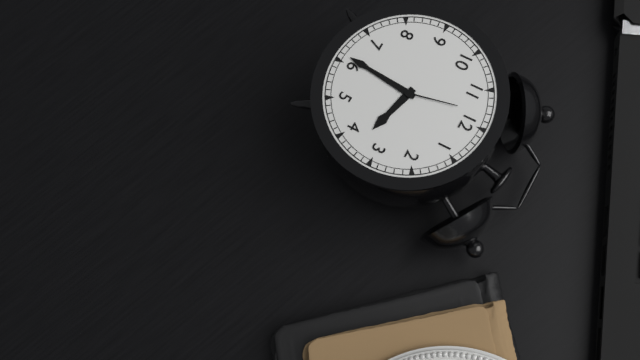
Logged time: 3 h 31 min 58 s
